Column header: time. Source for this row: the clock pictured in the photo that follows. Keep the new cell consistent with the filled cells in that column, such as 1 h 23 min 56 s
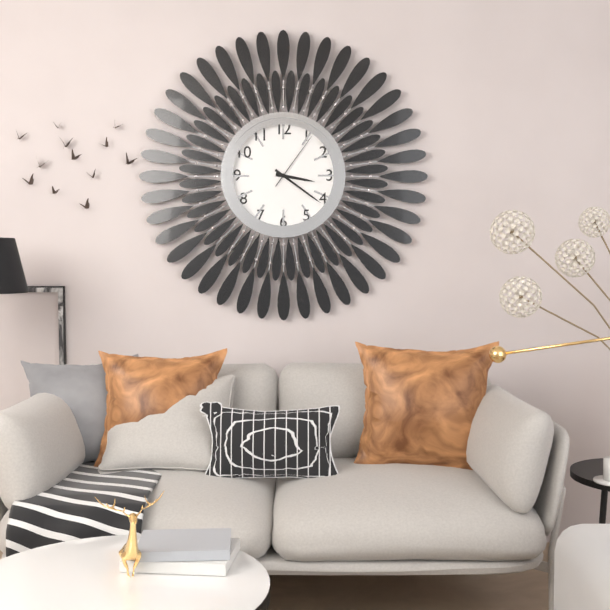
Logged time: 3 h 21 min 06 s
